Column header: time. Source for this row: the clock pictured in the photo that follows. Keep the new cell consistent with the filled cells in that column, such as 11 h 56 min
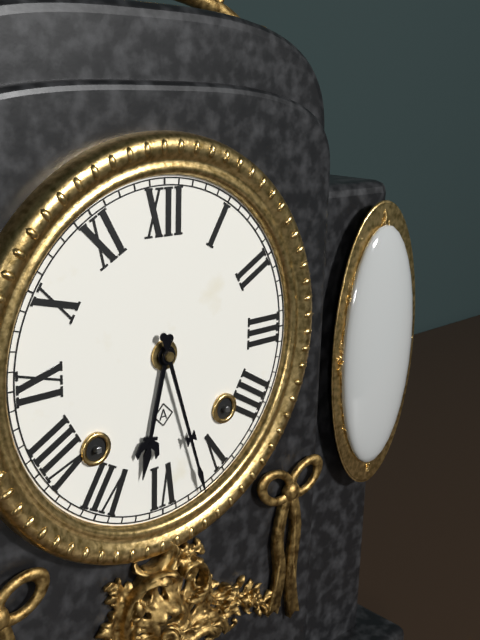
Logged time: 6 h 27 min
